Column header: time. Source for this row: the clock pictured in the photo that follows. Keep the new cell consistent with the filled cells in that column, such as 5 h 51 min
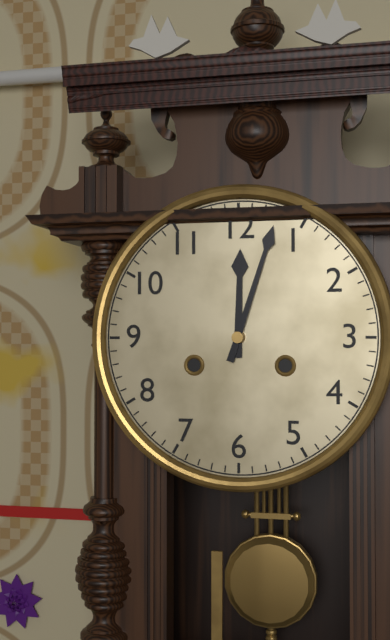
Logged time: 12 h 03 min
